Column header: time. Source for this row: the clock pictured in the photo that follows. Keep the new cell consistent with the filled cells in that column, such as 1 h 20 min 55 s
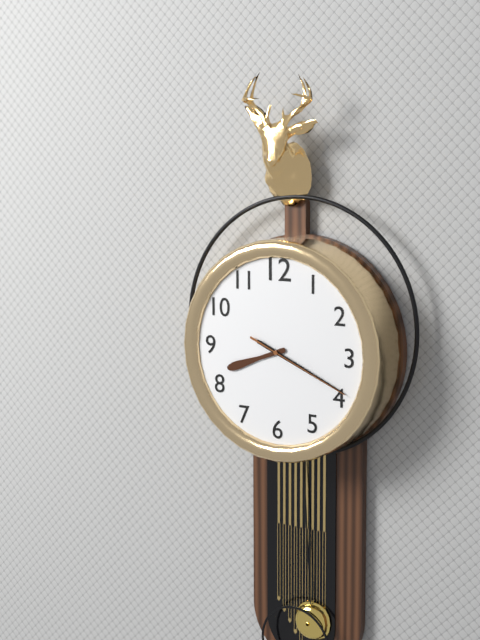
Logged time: 8 h 19 min 19 s
